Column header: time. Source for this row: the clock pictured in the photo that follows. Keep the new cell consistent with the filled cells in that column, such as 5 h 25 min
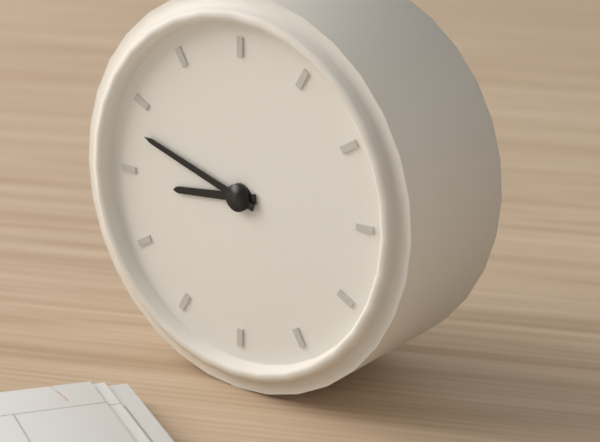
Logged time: 8 h 48 min
